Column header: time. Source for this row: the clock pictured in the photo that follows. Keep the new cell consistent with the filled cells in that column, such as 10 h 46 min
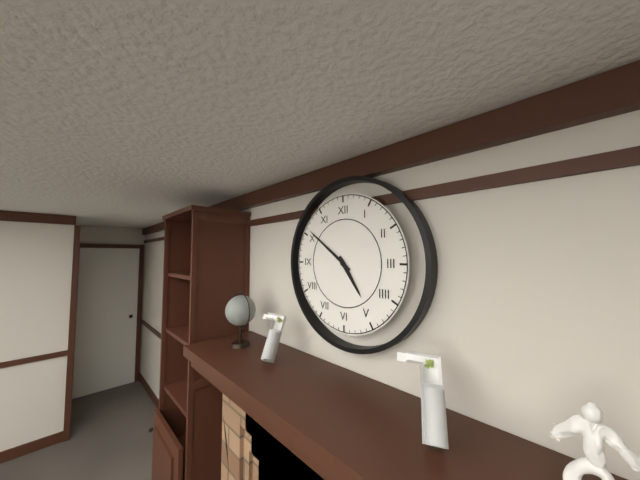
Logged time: 4 h 51 min
